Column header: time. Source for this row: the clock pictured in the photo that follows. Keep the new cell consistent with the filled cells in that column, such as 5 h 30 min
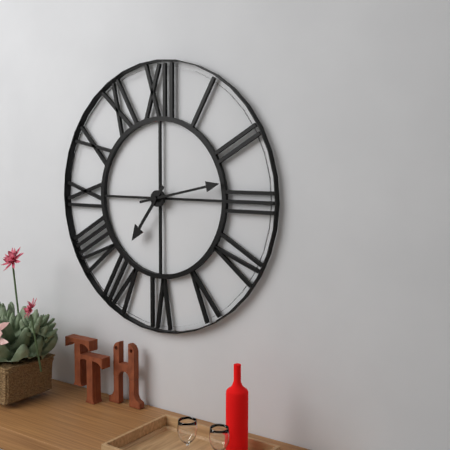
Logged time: 7 h 13 min
